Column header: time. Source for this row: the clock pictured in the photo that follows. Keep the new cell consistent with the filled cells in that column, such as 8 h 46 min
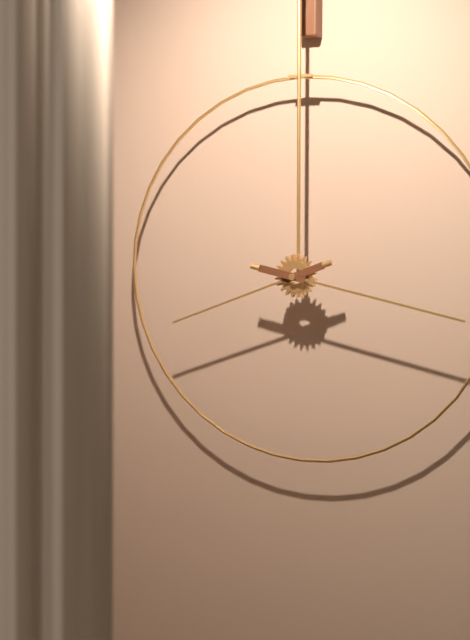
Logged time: 8 h 17 min
